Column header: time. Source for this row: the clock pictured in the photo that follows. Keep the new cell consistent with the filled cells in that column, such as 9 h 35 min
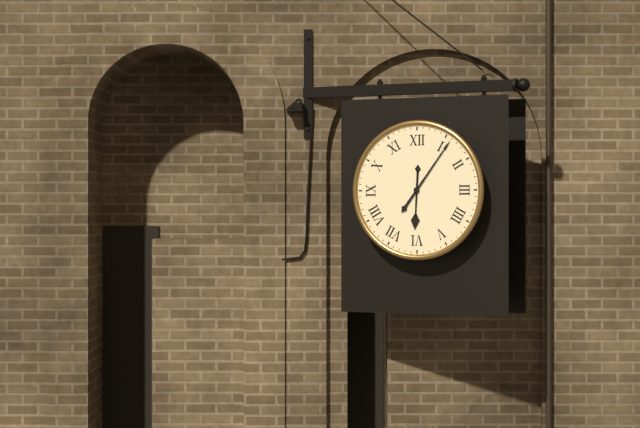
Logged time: 6 h 06 min
